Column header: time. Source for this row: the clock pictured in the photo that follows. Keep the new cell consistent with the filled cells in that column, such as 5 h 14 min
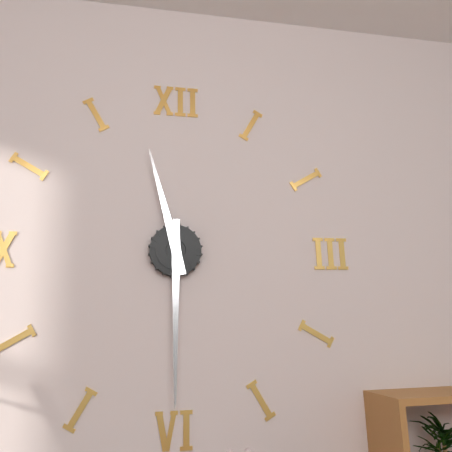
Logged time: 11 h 30 min
